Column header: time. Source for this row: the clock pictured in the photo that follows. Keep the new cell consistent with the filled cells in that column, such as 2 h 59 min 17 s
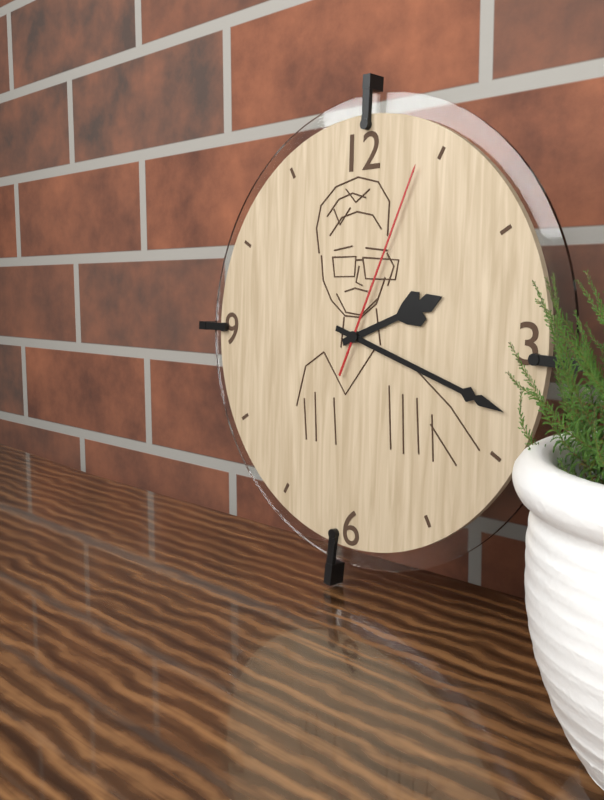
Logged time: 2 h 18 min 04 s
